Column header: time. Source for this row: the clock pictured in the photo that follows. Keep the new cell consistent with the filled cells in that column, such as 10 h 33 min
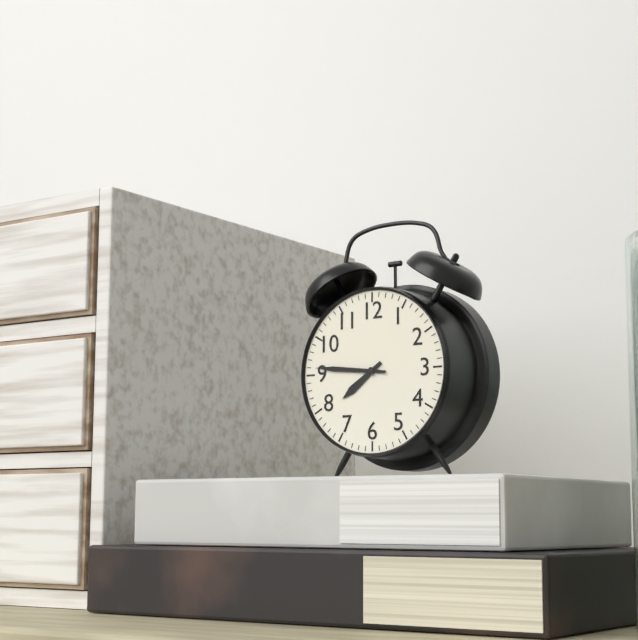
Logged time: 7 h 46 min
